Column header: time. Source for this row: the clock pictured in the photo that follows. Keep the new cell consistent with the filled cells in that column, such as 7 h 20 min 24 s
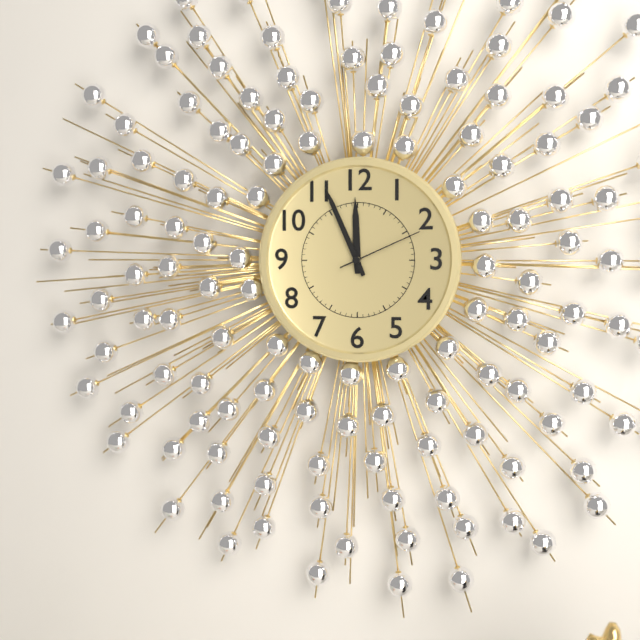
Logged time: 11 h 56 min 11 s
